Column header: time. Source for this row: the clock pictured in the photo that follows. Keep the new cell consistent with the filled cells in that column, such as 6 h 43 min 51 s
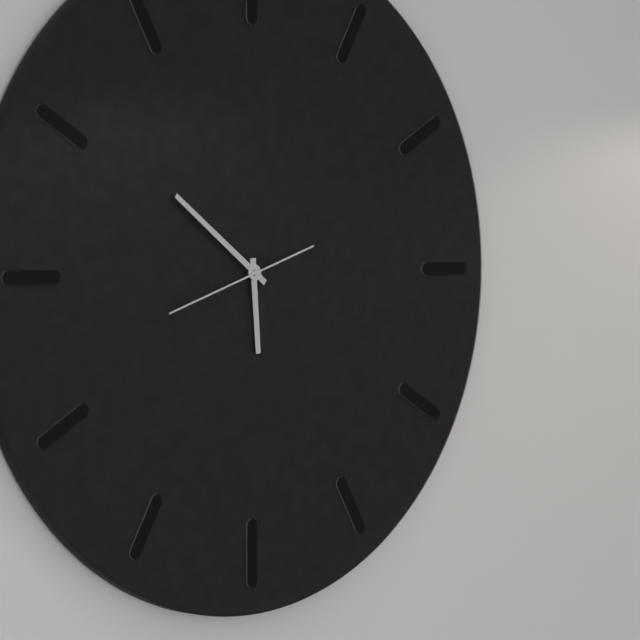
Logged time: 5 h 51 min 42 s
